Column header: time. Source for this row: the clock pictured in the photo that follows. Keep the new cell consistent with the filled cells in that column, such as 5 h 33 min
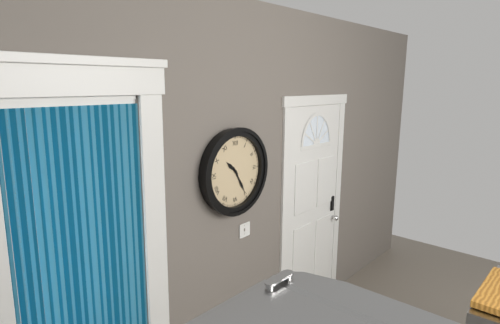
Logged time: 10 h 25 min
